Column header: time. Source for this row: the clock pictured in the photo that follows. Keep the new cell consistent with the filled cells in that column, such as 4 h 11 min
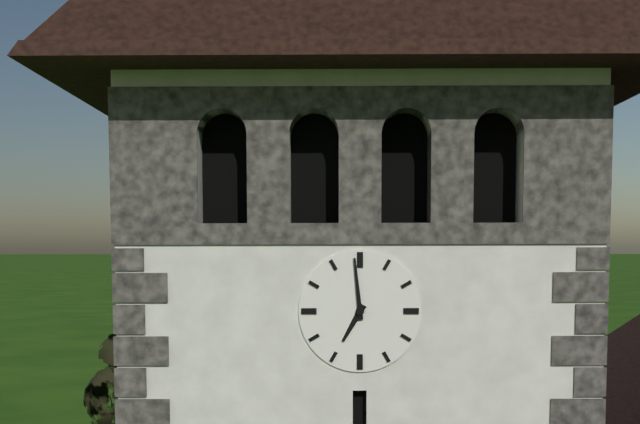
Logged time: 6 h 59 min
